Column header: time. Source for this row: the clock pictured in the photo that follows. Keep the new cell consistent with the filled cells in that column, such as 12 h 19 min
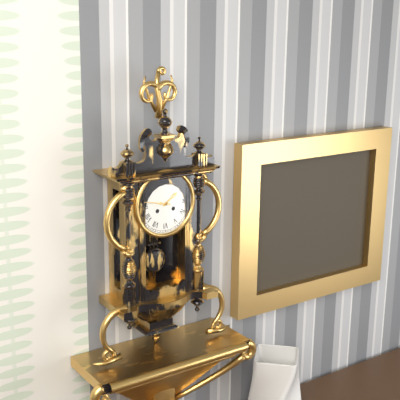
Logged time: 1 h 47 min
